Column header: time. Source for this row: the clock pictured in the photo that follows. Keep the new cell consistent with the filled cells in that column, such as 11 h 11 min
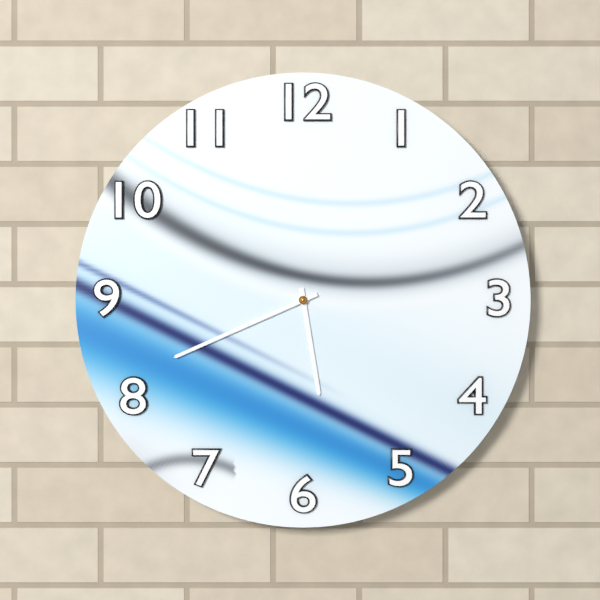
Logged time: 5 h 41 min
